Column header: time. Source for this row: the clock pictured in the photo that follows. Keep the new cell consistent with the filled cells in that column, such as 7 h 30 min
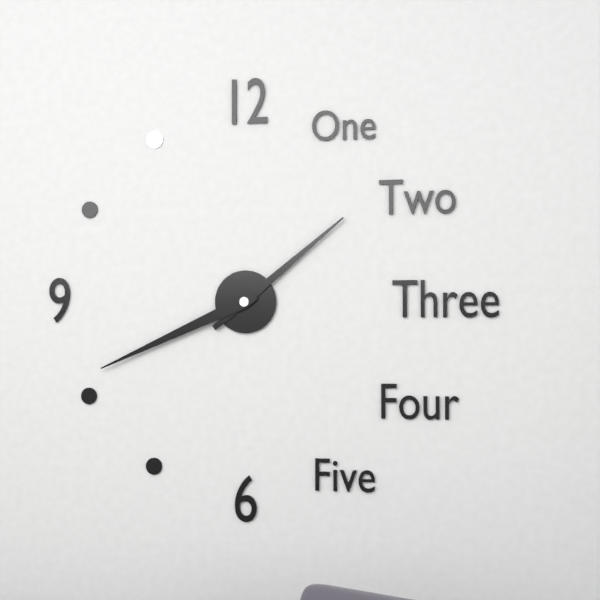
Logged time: 1 h 41 min
